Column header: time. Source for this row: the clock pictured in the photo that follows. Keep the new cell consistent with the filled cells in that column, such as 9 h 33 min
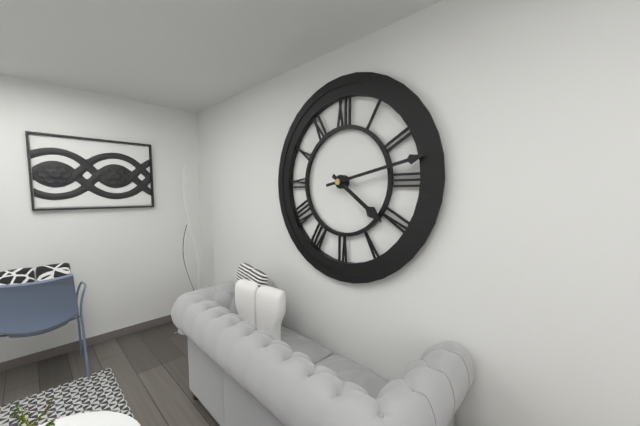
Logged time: 4 h 13 min
